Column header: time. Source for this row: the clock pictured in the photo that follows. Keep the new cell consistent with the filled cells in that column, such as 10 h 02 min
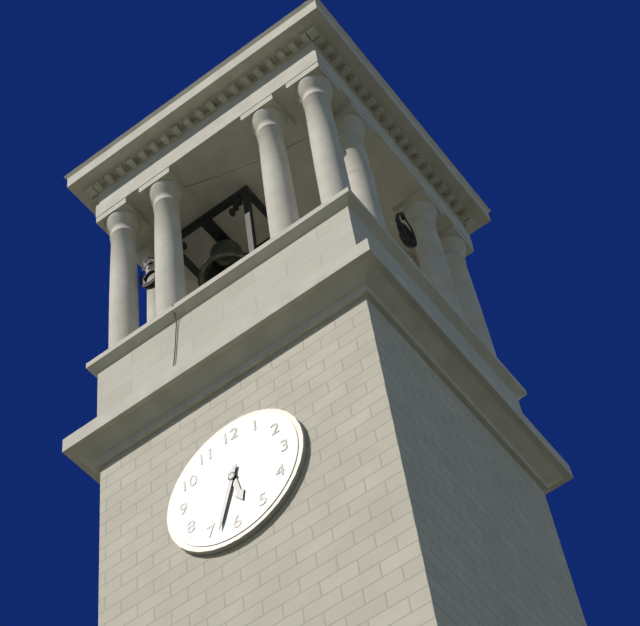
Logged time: 5 h 33 min
